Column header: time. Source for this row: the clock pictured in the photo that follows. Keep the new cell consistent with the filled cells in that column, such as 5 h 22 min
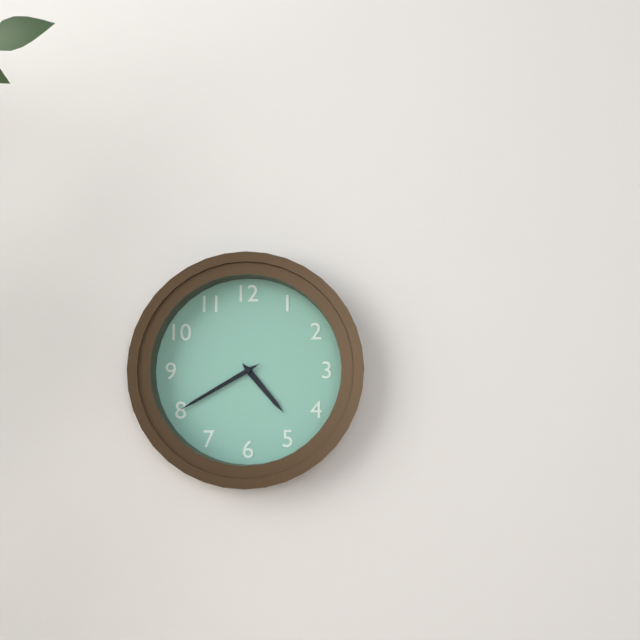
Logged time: 4 h 40 min
